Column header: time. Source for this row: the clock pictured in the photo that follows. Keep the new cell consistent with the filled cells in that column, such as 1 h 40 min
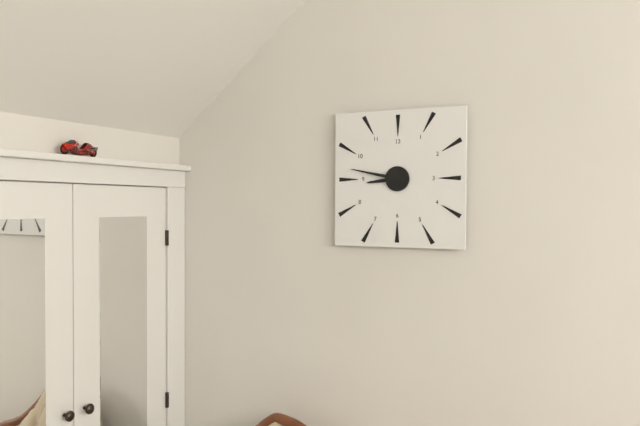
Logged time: 8 h 47 min
